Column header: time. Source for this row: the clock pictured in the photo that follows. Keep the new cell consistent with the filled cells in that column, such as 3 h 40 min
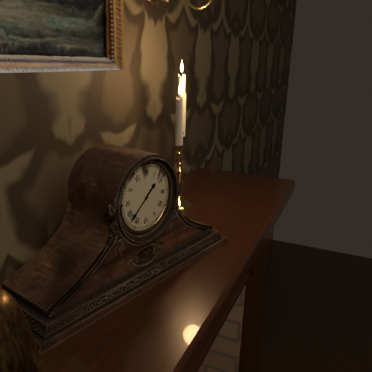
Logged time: 1 h 38 min
